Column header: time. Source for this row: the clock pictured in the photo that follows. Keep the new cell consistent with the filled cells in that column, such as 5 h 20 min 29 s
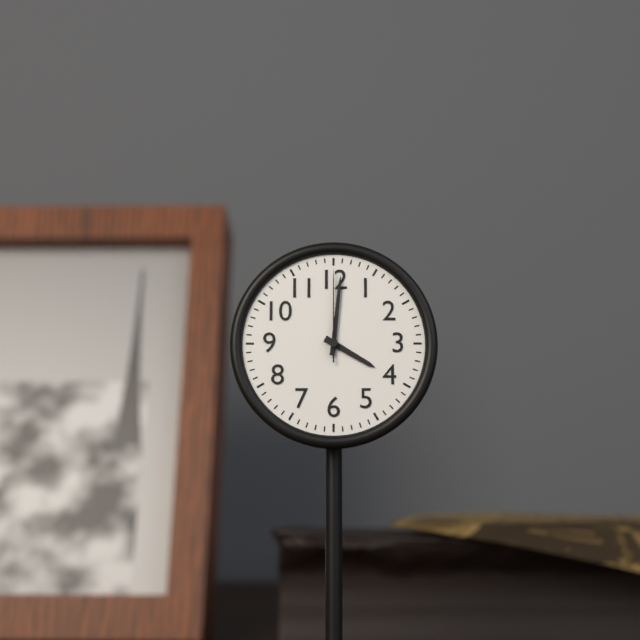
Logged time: 4 h 01 min 00 s
